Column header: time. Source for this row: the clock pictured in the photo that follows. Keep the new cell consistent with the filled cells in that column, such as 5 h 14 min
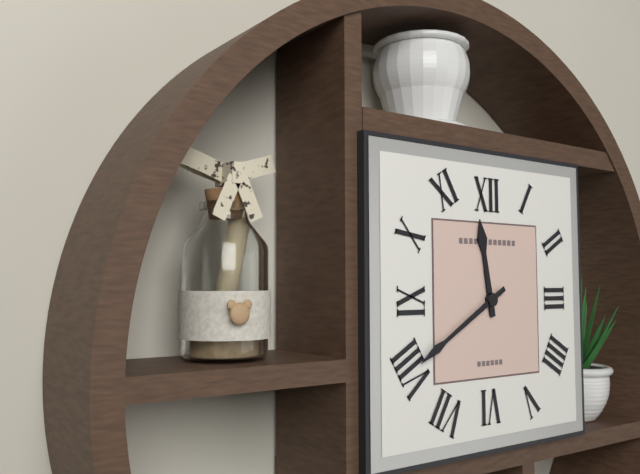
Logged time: 11 h 40 min
